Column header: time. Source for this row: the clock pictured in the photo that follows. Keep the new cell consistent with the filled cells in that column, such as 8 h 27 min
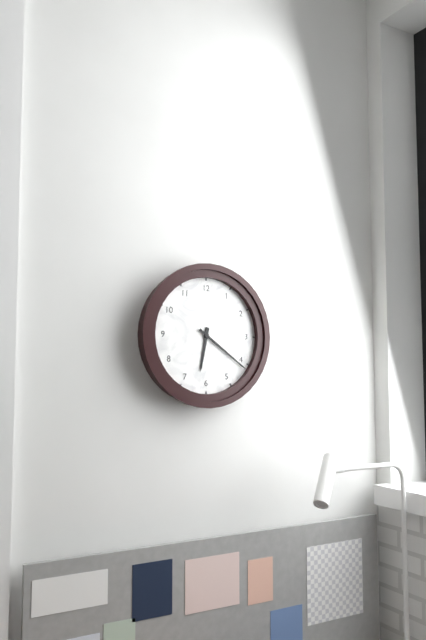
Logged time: 6 h 21 min
